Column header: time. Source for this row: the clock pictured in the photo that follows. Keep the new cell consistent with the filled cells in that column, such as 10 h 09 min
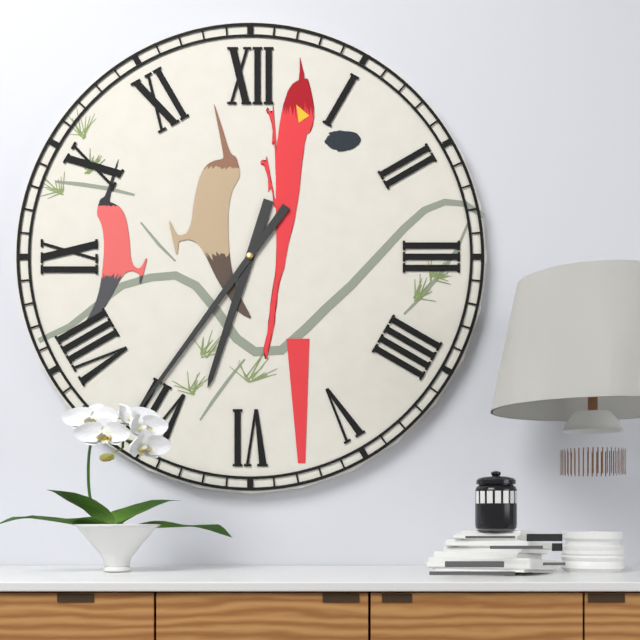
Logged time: 6 h 36 min
